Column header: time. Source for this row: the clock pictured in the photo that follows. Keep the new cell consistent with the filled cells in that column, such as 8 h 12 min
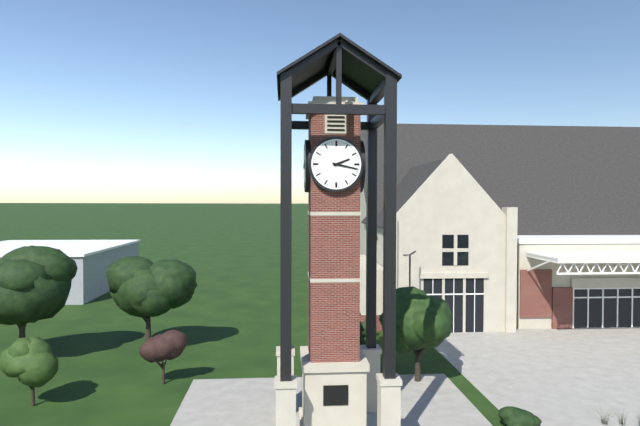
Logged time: 2 h 17 min
